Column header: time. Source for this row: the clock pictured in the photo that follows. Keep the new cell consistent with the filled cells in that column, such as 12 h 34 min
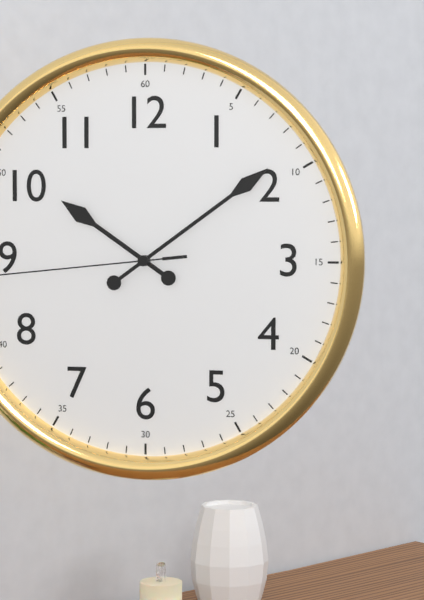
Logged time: 10 h 09 min
